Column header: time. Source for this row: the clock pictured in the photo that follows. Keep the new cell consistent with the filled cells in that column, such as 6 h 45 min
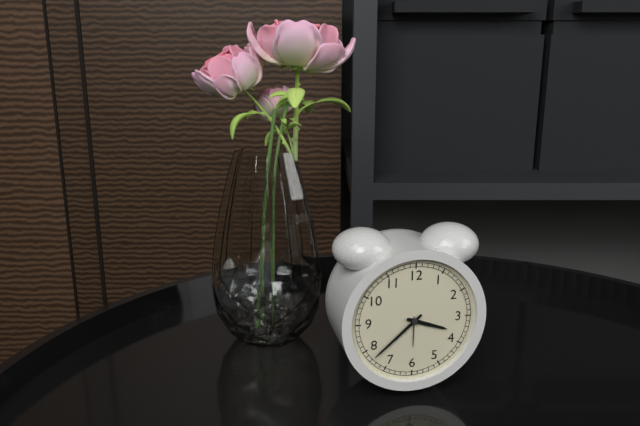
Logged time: 3 h 38 min
